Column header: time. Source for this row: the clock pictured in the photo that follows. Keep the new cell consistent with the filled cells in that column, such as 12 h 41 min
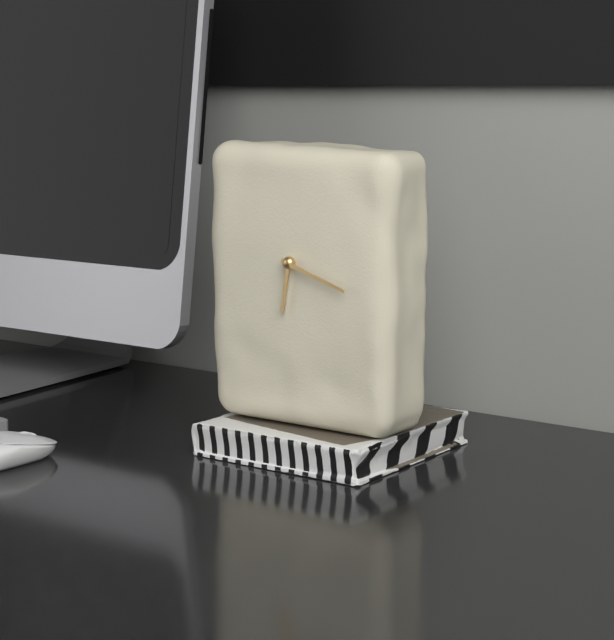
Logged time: 6 h 18 min
